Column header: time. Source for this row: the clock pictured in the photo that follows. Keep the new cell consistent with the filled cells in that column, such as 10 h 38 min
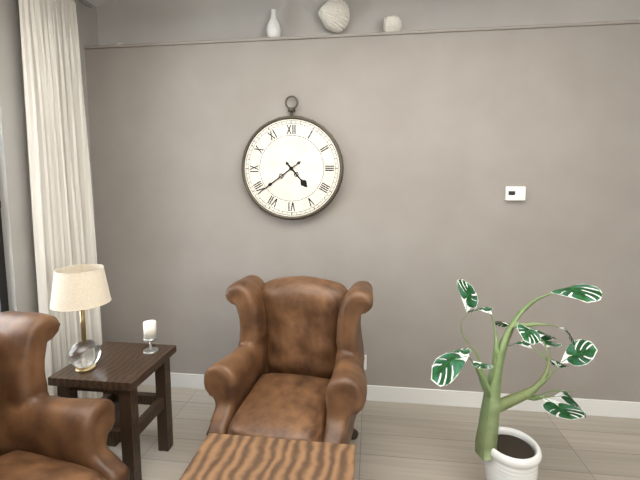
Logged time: 4 h 39 min
